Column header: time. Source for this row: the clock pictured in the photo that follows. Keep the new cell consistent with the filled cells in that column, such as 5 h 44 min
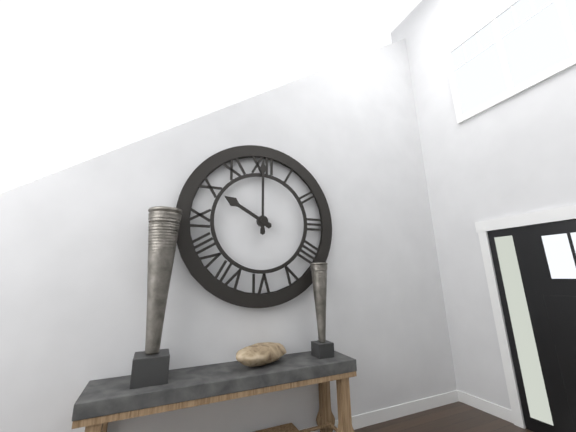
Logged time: 10 h 00 min
